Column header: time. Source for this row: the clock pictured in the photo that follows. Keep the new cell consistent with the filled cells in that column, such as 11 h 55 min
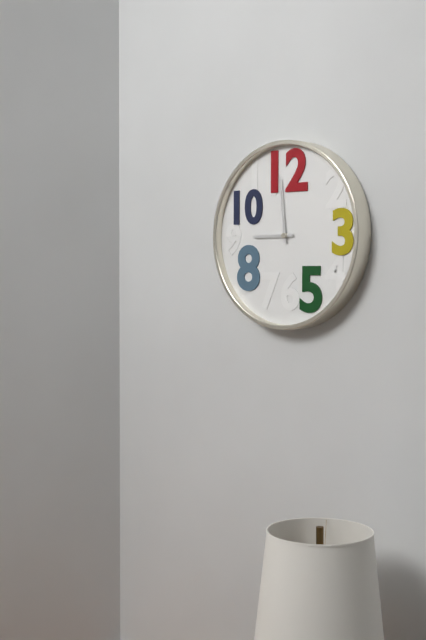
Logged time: 8 h 59 min
